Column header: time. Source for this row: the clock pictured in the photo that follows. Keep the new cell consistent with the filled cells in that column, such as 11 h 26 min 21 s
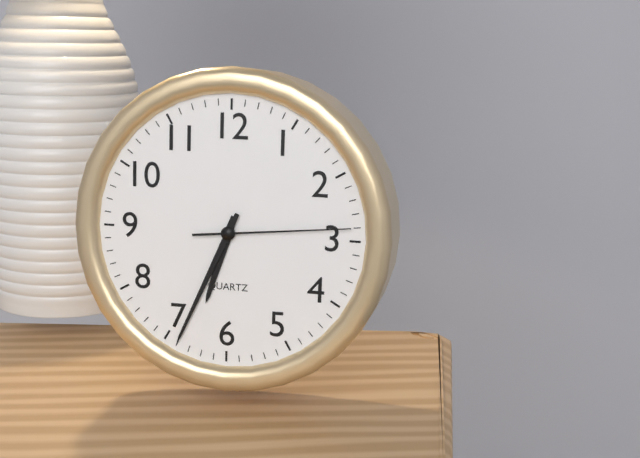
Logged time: 6 h 34 min 14 s
